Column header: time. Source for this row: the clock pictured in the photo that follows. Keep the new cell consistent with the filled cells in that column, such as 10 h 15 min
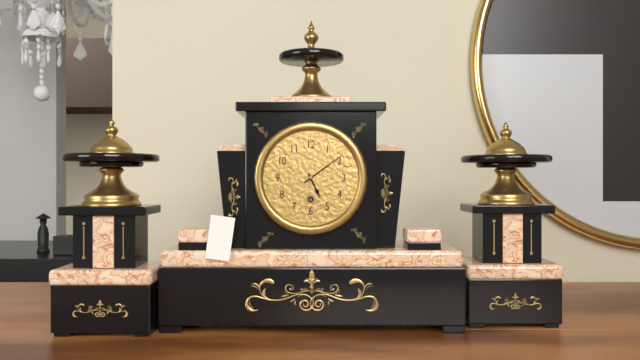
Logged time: 5 h 09 min
